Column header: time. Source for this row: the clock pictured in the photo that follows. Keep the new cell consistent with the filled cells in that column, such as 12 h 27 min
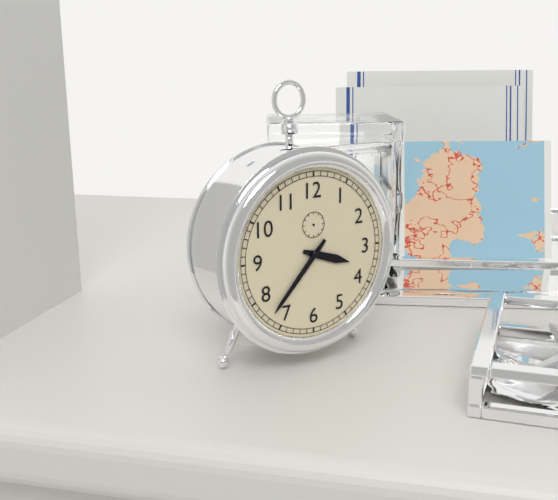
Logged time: 3 h 37 min
